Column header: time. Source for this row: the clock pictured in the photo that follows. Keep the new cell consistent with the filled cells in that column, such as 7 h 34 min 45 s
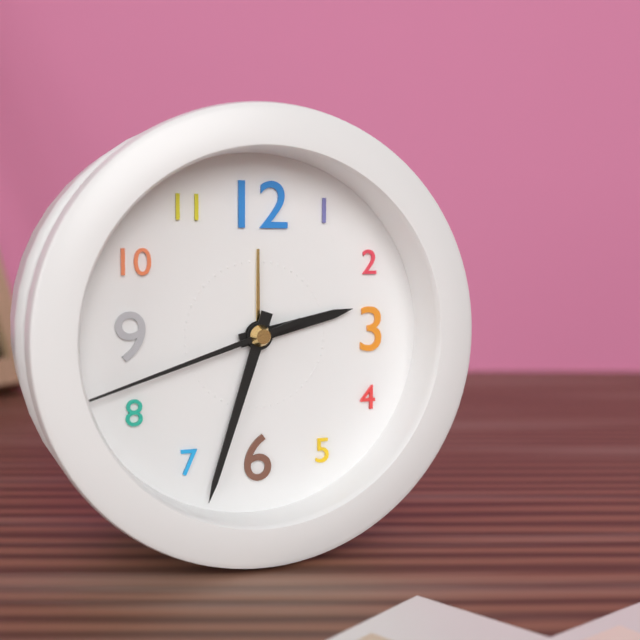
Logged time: 2 h 33 min 42 s
